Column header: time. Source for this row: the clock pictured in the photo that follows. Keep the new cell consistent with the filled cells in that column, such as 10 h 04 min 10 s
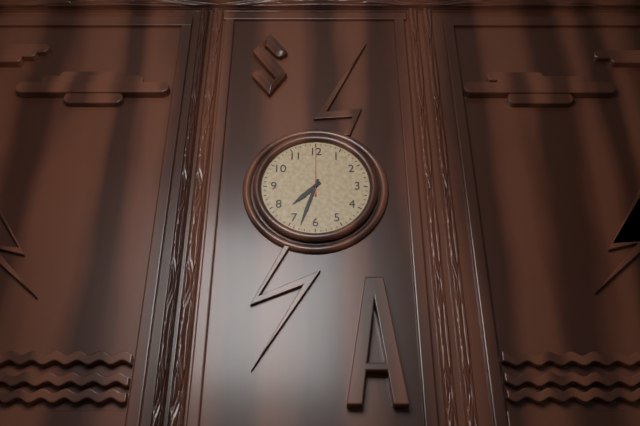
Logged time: 7 h 33 min 00 s
